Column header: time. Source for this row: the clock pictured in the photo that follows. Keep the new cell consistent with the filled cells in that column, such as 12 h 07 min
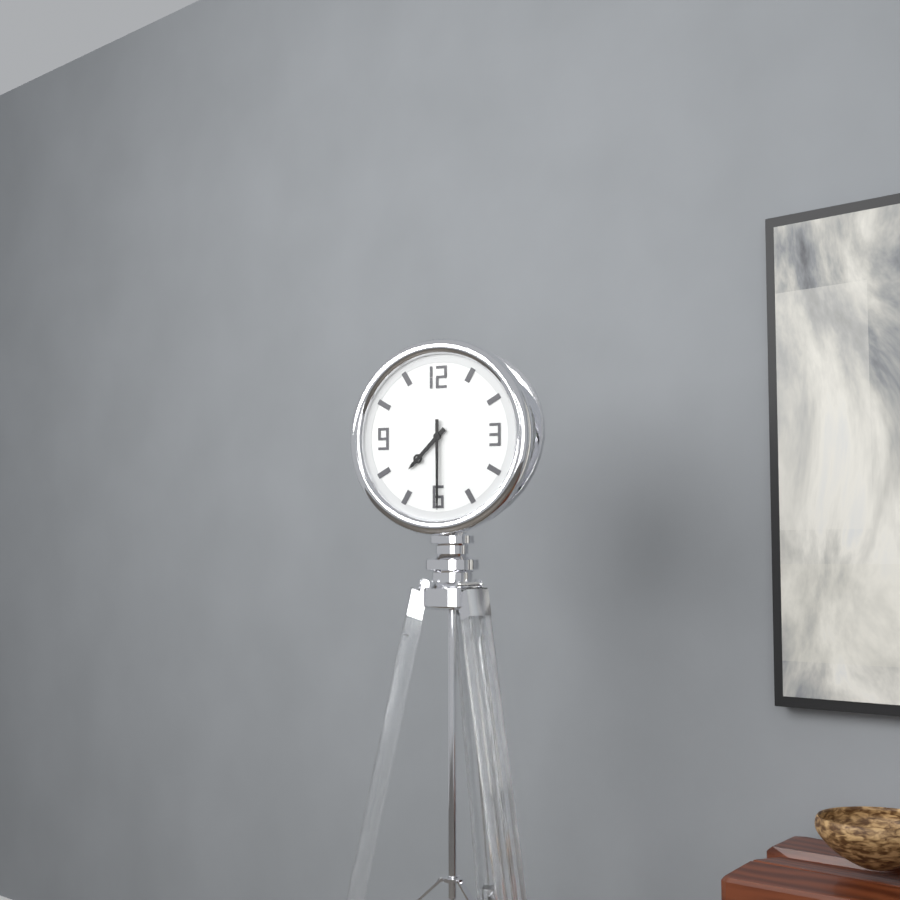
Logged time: 7 h 30 min
